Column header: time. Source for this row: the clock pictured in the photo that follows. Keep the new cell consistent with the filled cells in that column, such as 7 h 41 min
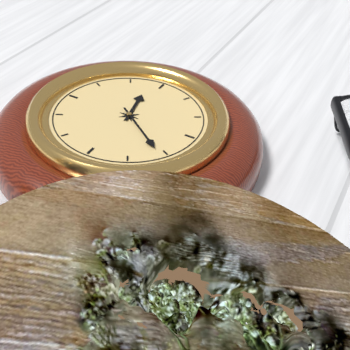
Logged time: 2 h 36 min
